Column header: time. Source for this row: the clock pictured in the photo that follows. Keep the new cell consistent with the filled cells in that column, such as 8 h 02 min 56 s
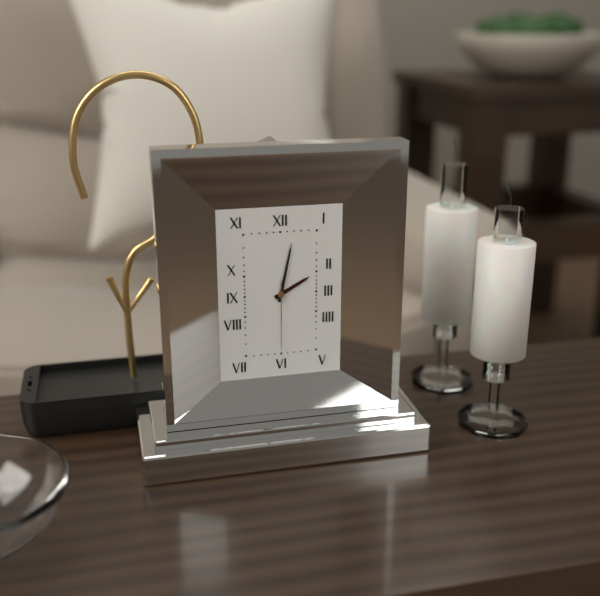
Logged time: 2 h 02 min 30 s
